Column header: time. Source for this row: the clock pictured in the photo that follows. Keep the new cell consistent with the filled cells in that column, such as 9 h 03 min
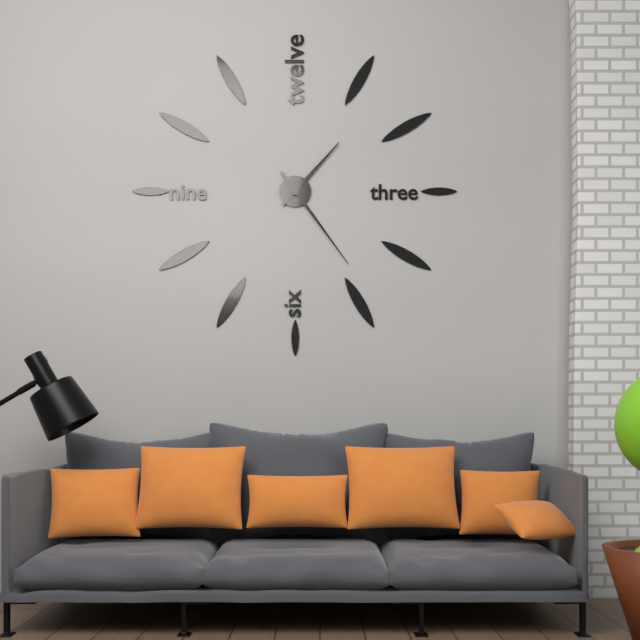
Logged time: 1 h 24 min
